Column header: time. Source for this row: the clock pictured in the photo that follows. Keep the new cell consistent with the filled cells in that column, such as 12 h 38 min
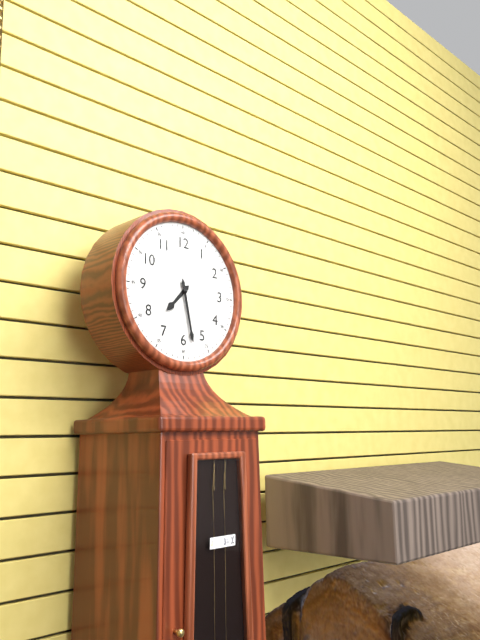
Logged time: 7 h 28 min
